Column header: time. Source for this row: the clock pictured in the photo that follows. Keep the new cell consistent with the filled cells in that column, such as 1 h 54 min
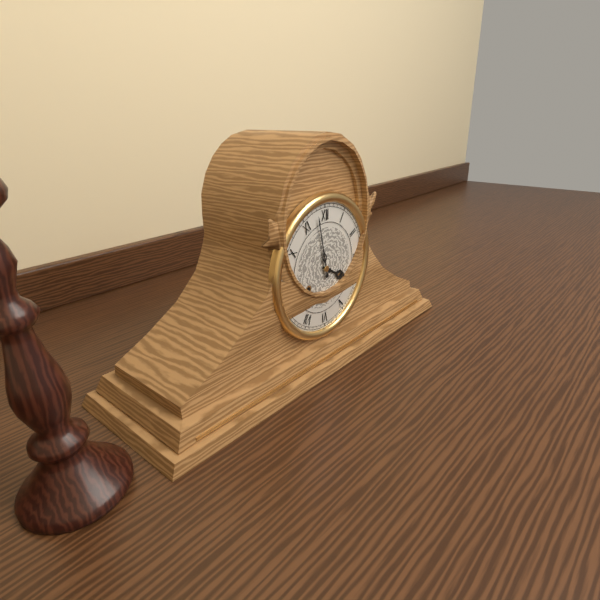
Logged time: 3 h 58 min
